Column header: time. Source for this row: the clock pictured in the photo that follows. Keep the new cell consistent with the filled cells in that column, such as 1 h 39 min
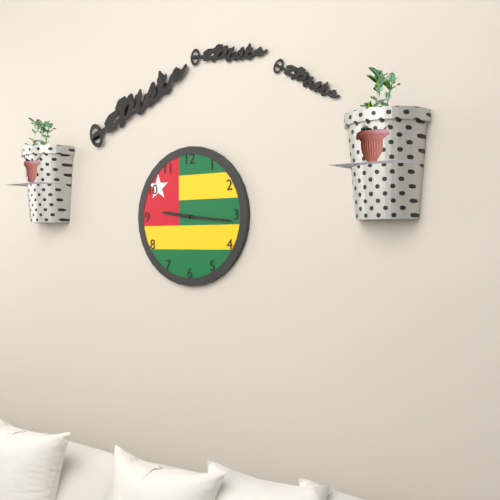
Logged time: 9 h 16 min
